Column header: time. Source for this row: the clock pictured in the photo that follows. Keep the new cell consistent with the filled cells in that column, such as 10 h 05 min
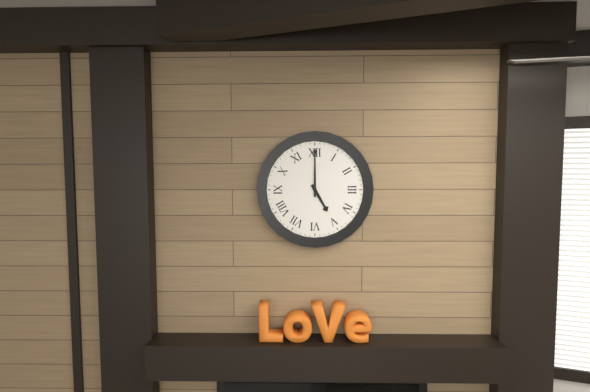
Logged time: 5 h 00 min
